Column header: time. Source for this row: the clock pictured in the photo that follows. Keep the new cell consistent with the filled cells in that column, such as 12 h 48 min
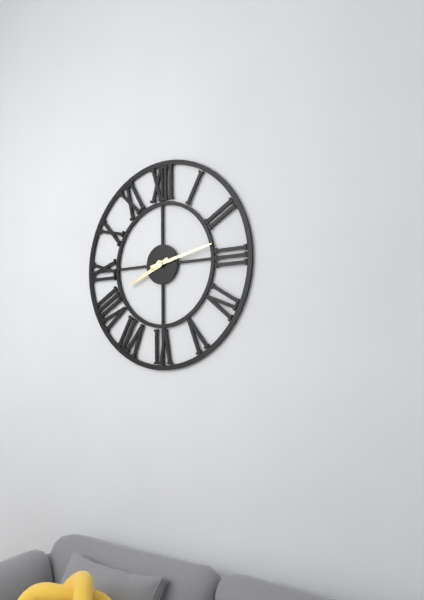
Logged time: 8 h 13 min
